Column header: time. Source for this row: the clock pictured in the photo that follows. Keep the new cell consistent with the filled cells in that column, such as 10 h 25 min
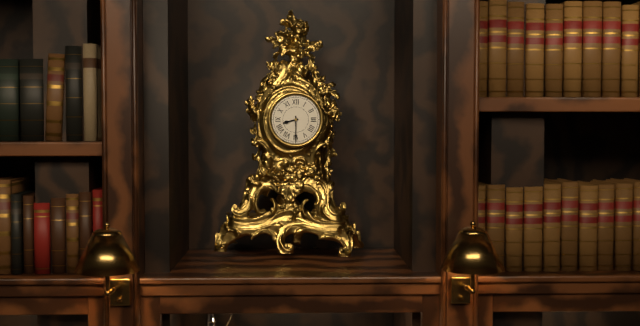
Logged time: 8 h 30 min
